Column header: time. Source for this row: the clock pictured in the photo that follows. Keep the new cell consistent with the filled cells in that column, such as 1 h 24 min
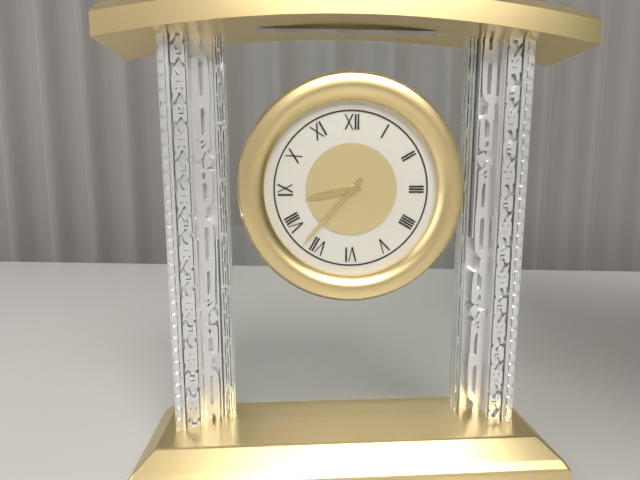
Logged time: 8 h 37 min
